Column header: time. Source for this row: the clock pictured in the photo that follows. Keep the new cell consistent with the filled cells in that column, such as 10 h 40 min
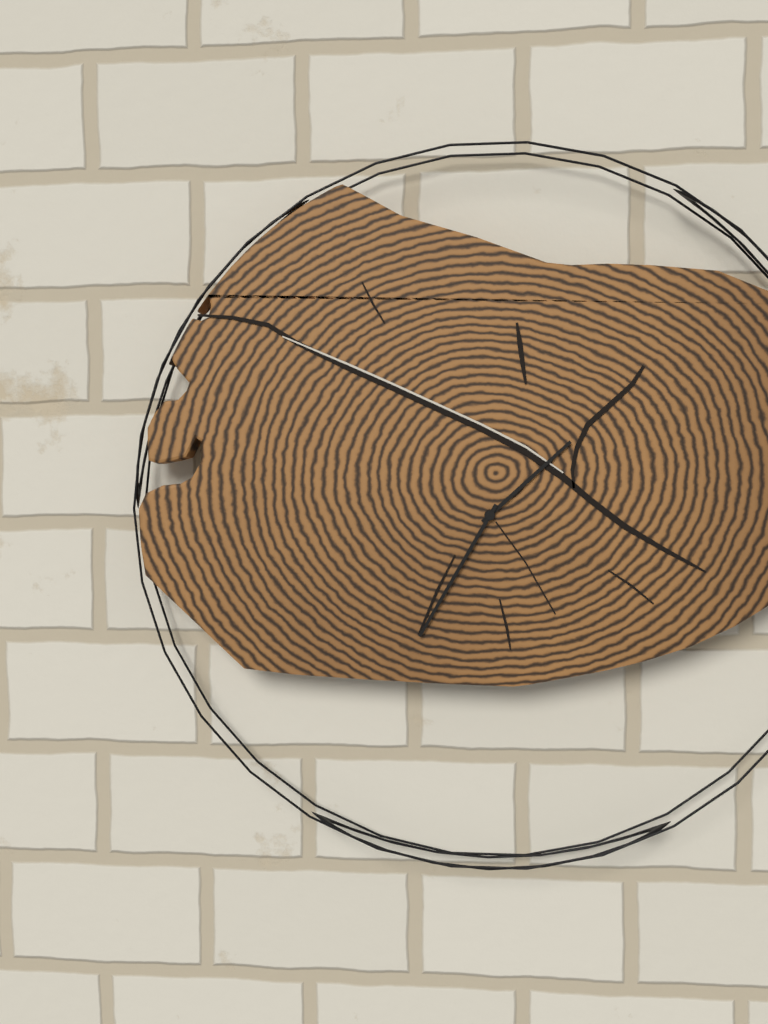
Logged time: 1 h 35 min
